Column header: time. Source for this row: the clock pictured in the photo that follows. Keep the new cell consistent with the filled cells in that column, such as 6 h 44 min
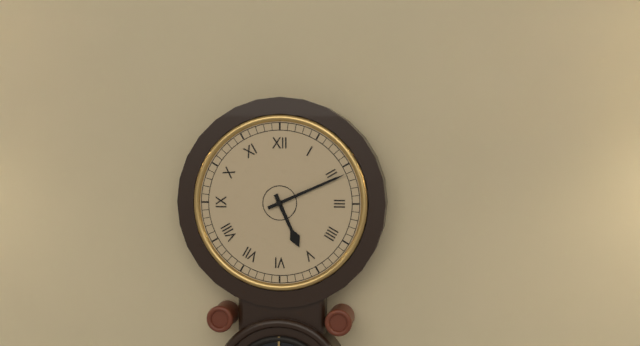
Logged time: 5 h 11 min
